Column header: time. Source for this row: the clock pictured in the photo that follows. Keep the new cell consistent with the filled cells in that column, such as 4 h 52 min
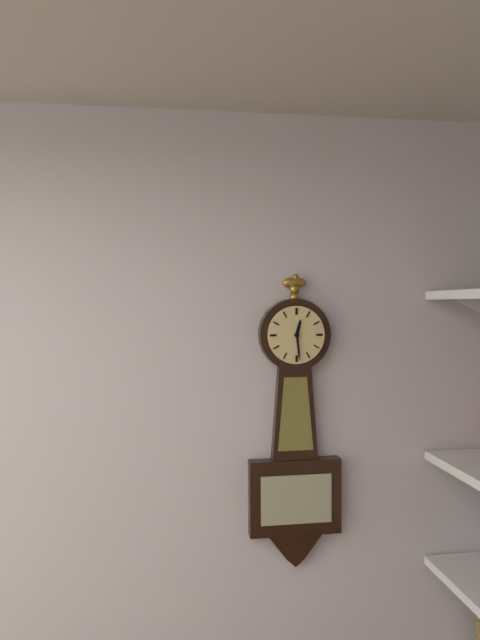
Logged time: 12 h 29 min
